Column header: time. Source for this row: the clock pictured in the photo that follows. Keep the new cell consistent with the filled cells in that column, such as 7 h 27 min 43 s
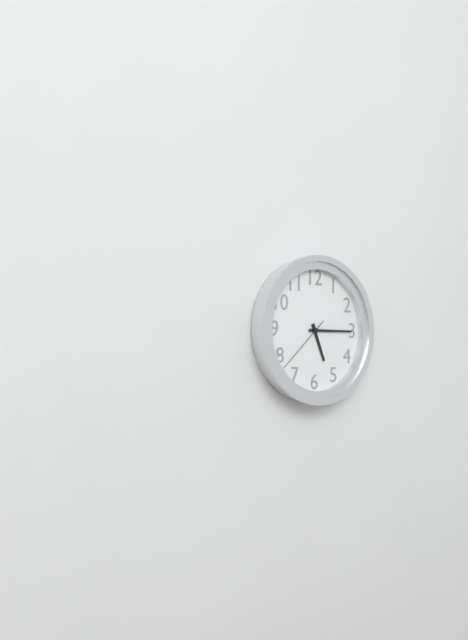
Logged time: 5 h 15 min 38 s
